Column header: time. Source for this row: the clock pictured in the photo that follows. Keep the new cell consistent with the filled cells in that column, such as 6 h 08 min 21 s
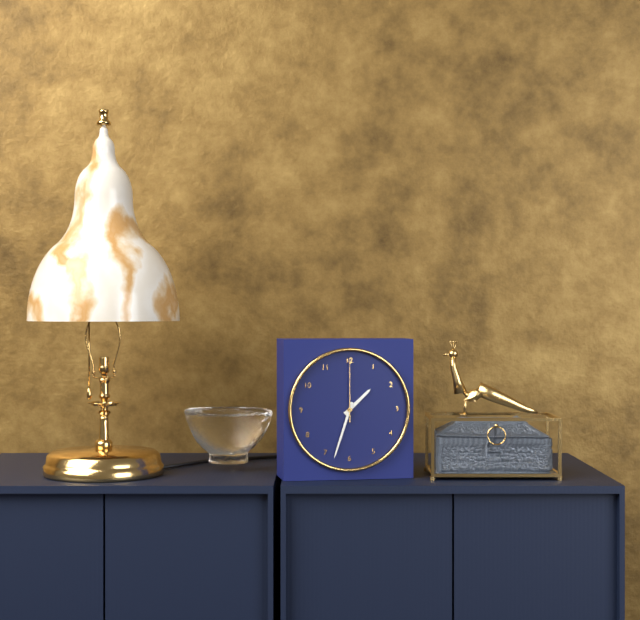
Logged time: 1 h 33 min 00 s
